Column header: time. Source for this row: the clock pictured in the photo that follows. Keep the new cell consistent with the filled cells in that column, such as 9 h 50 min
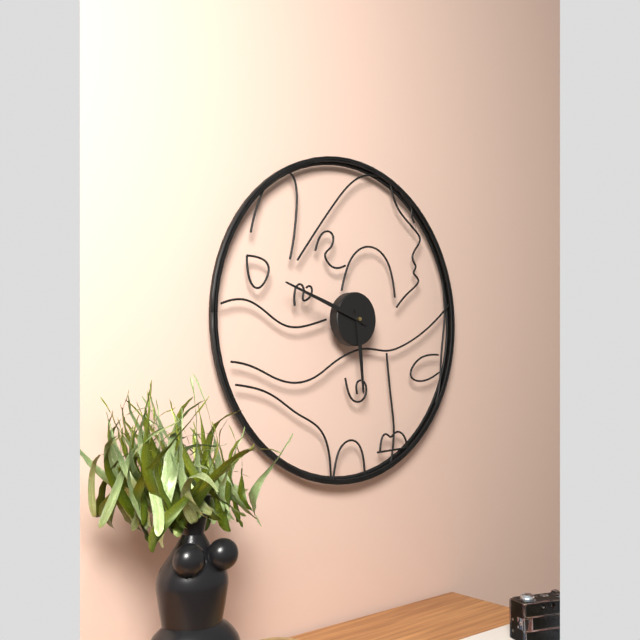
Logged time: 5 h 48 min
